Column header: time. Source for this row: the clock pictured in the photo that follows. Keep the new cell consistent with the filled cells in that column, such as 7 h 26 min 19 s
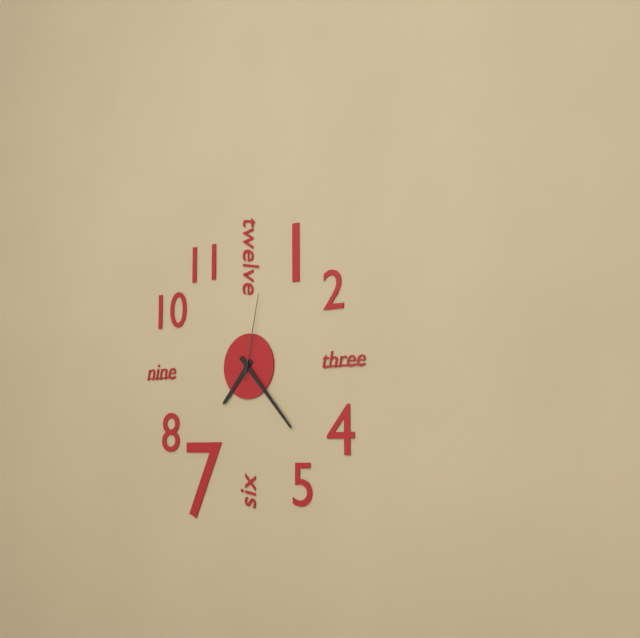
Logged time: 7 h 23 min 02 s
